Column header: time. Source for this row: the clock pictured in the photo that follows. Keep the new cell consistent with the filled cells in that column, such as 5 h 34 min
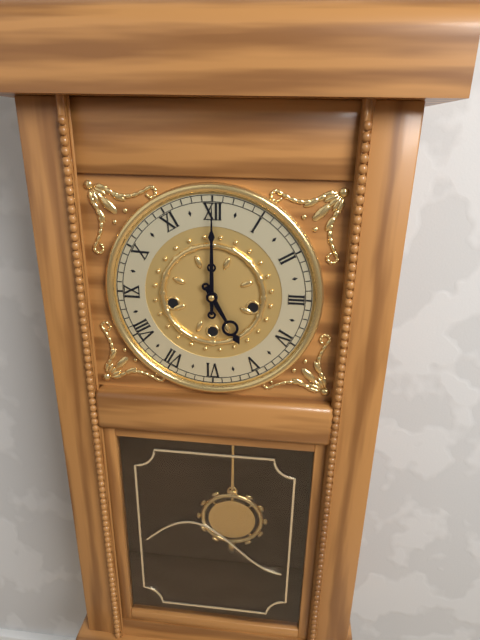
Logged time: 5 h 00 min
